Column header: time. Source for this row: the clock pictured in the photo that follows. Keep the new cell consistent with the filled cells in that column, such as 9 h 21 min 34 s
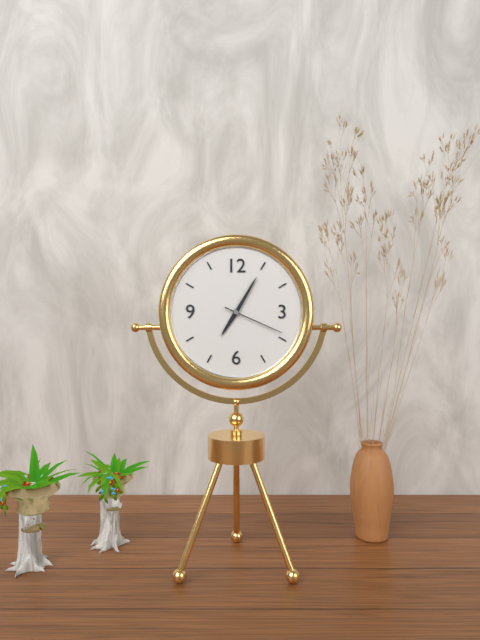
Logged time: 7 h 05 min 19 s
